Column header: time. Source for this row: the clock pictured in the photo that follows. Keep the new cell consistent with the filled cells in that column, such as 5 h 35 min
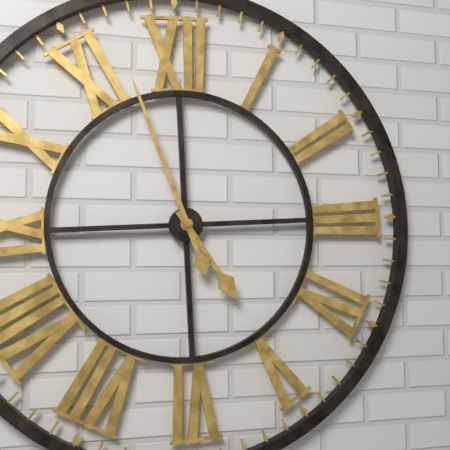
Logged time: 4 h 57 min
